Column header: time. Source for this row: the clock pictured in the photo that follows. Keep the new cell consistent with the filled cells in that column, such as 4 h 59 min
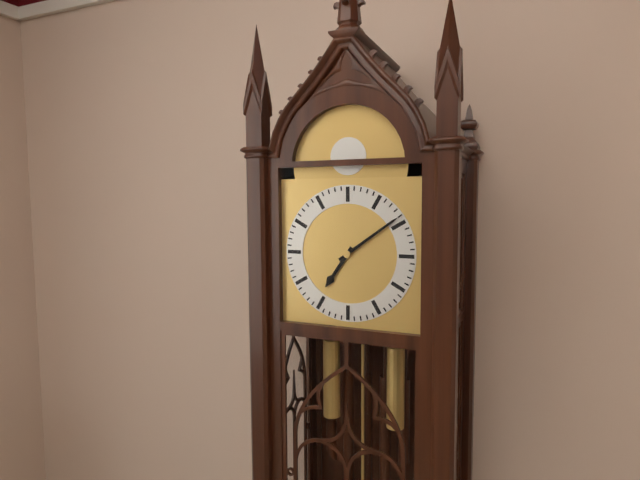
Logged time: 7 h 09 min
